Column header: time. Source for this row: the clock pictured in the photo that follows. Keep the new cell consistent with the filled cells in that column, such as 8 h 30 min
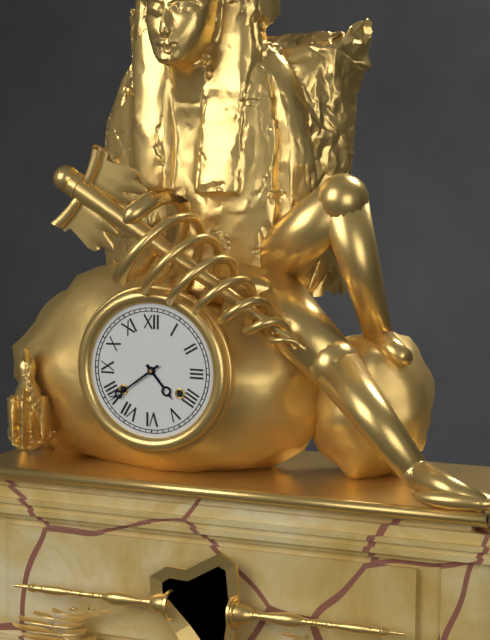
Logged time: 4 h 39 min
